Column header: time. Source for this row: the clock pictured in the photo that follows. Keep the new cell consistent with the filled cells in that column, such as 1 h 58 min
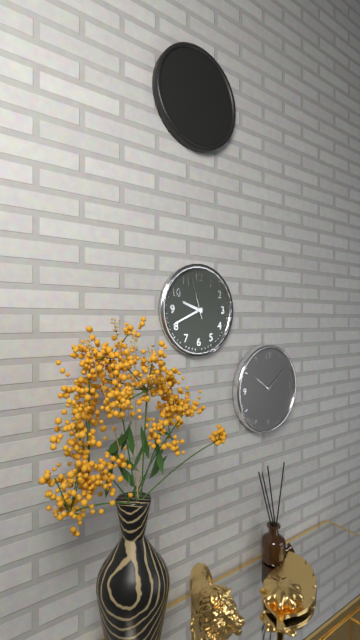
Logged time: 9 h 41 min
